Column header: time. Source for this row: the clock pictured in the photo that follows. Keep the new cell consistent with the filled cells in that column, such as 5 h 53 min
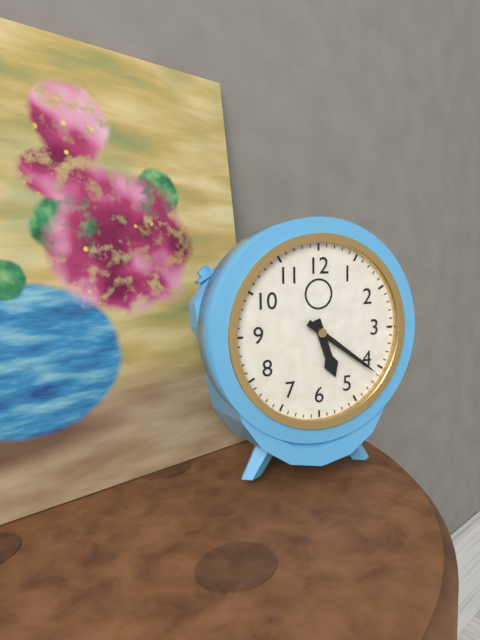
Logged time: 5 h 21 min
